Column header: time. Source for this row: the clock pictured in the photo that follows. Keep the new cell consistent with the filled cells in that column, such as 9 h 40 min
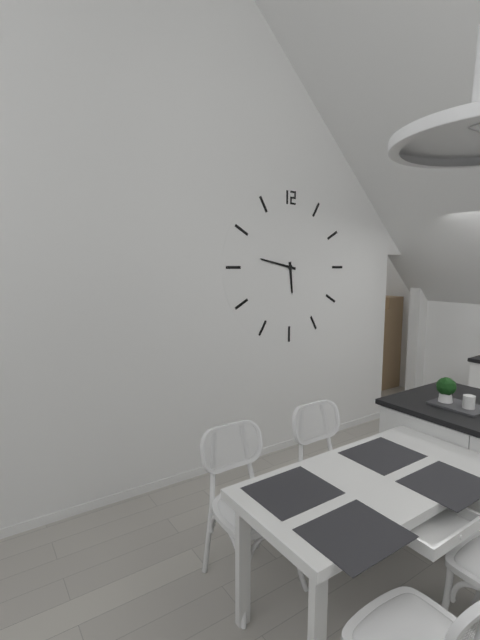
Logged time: 5 h 47 min
